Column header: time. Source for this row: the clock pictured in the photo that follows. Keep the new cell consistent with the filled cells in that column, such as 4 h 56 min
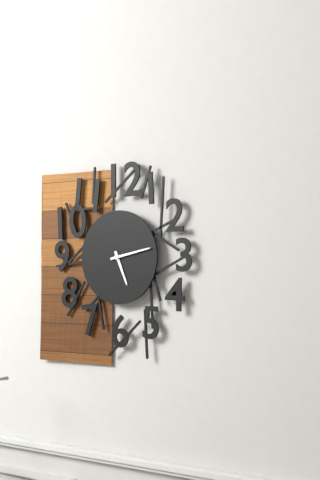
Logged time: 5 h 13 min
